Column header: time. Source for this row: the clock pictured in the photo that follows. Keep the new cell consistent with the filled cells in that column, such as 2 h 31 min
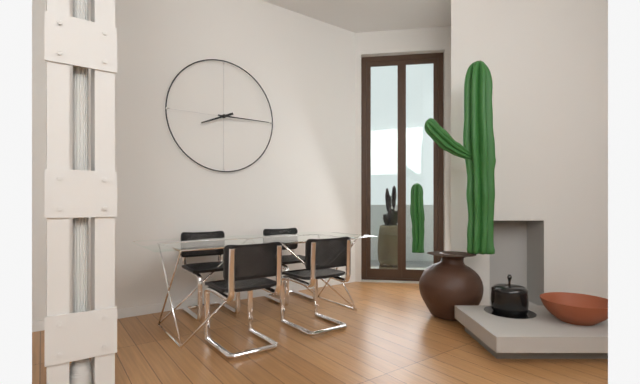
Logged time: 8 h 15 min
